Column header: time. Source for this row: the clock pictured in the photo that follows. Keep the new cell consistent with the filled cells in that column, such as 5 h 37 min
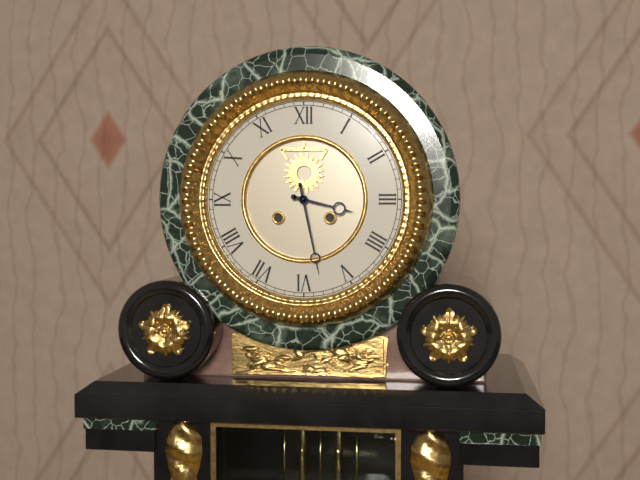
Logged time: 3 h 28 min
